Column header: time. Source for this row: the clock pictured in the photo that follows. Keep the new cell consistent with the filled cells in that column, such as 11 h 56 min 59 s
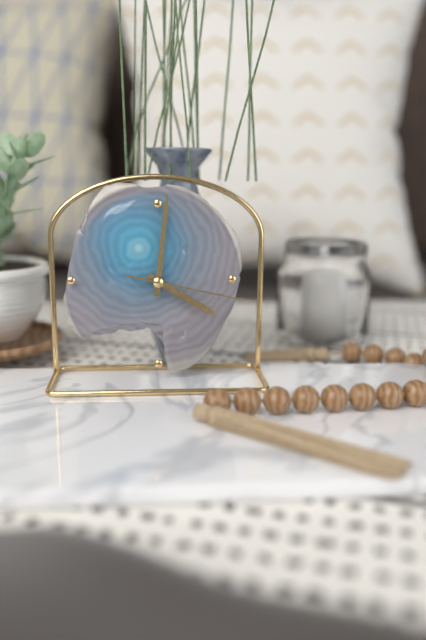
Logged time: 4 h 01 min 17 s
